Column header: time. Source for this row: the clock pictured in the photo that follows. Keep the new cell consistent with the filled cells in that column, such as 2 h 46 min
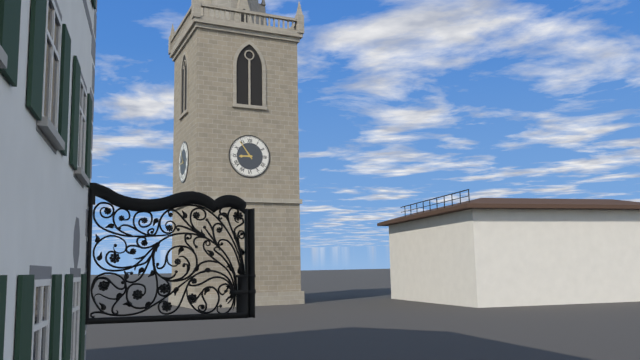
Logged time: 8 h 54 min
